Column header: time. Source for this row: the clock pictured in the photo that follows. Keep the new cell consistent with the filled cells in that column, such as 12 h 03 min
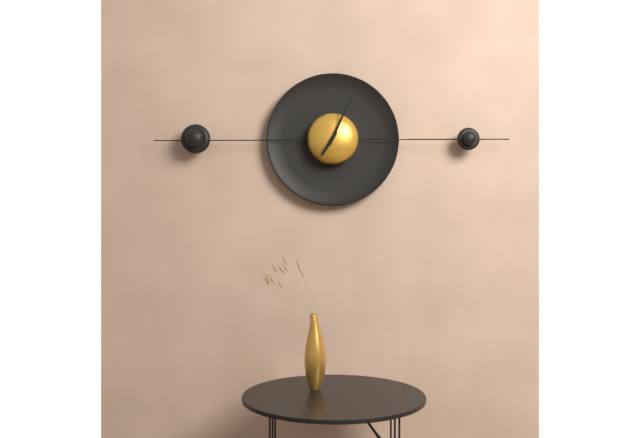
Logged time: 7 h 04 min
